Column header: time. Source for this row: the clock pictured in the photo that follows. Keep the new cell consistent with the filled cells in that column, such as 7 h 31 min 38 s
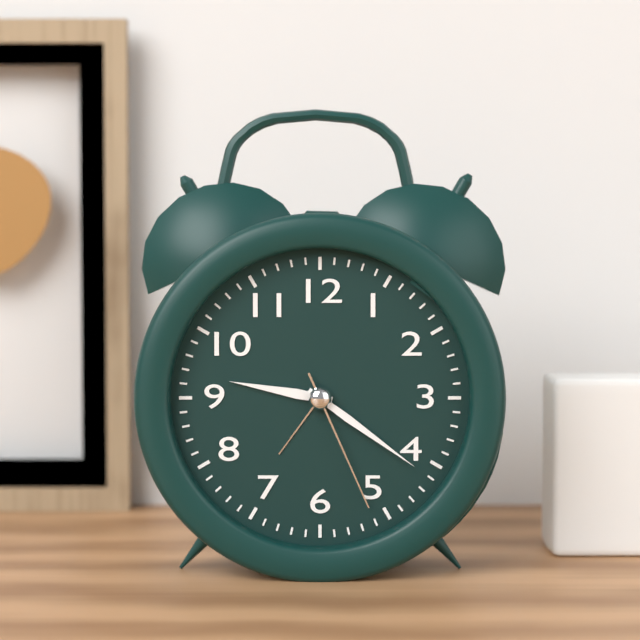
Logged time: 9 h 21 min 26 s
